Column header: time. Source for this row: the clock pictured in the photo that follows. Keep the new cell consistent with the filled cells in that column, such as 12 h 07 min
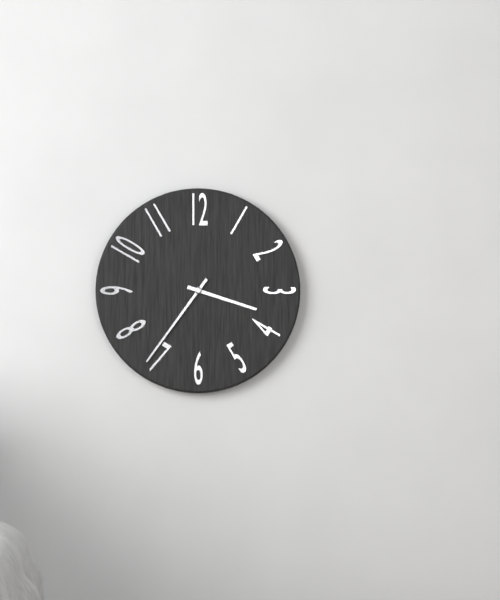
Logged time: 3 h 36 min
